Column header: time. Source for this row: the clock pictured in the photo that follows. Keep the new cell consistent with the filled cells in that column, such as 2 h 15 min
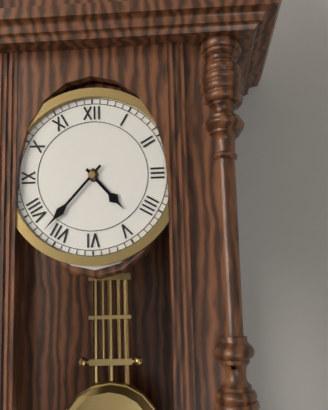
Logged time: 4 h 37 min
